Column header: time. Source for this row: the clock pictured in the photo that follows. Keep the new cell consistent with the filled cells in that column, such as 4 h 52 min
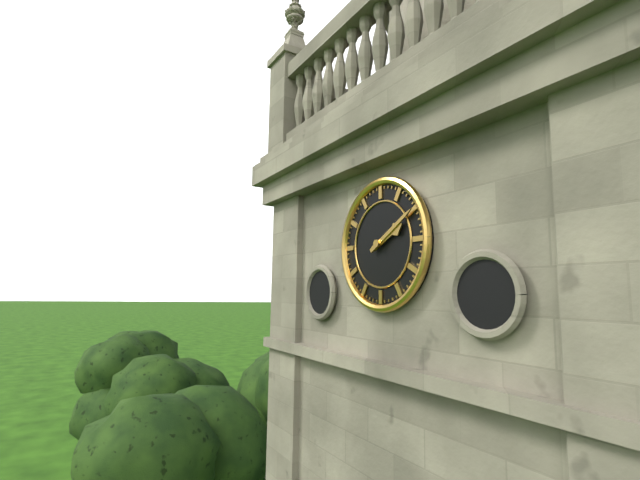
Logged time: 2 h 10 min
